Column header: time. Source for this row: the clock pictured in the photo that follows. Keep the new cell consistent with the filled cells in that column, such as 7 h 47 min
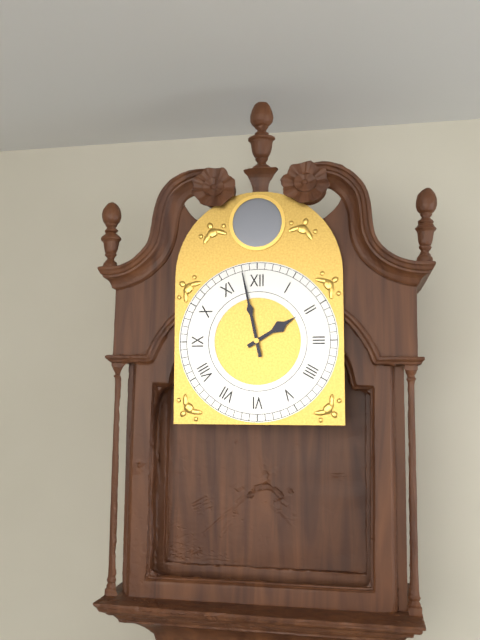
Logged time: 1 h 58 min
